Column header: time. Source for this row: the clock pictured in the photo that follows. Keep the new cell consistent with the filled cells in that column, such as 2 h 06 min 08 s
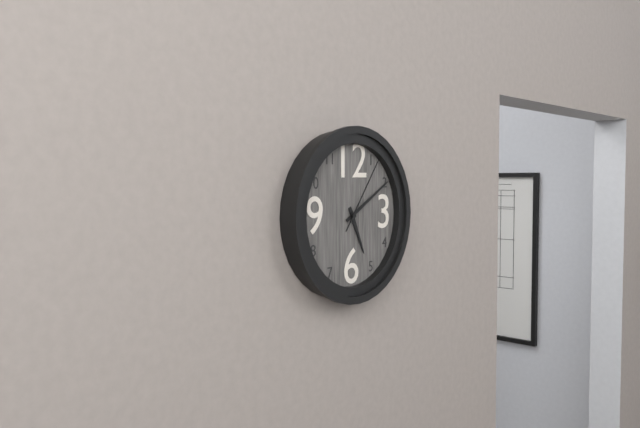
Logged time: 5 h 10 min 06 s
